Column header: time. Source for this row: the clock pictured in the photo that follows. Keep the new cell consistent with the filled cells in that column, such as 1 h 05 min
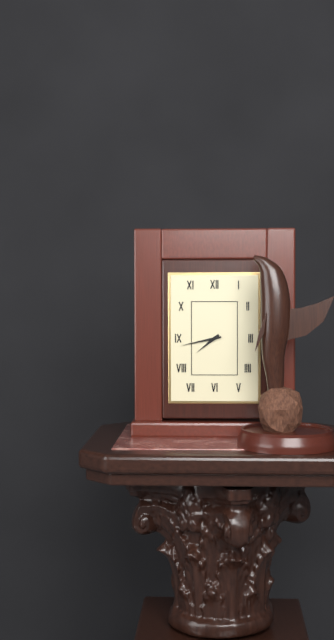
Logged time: 7 h 43 min
